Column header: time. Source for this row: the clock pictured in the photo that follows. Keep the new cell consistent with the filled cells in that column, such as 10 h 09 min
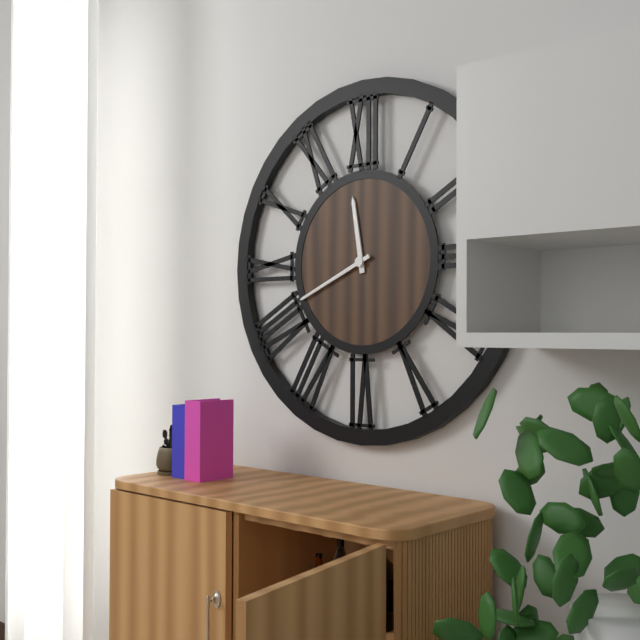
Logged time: 11 h 41 min
